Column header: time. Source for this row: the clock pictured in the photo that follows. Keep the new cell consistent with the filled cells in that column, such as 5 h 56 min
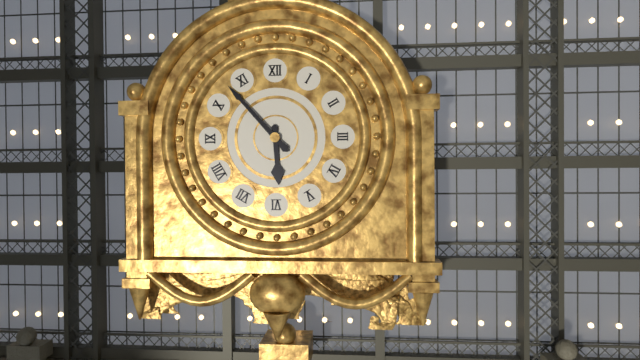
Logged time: 5 h 53 min
